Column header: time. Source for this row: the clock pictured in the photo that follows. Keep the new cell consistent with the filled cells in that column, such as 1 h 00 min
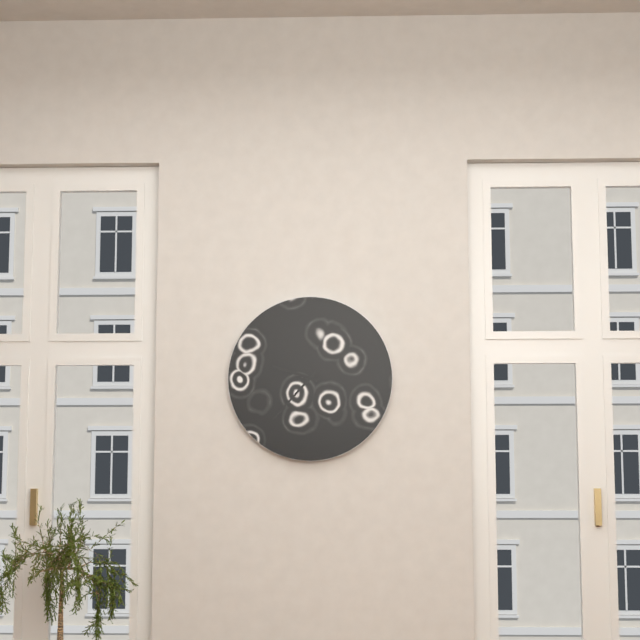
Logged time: 9 h 37 min
